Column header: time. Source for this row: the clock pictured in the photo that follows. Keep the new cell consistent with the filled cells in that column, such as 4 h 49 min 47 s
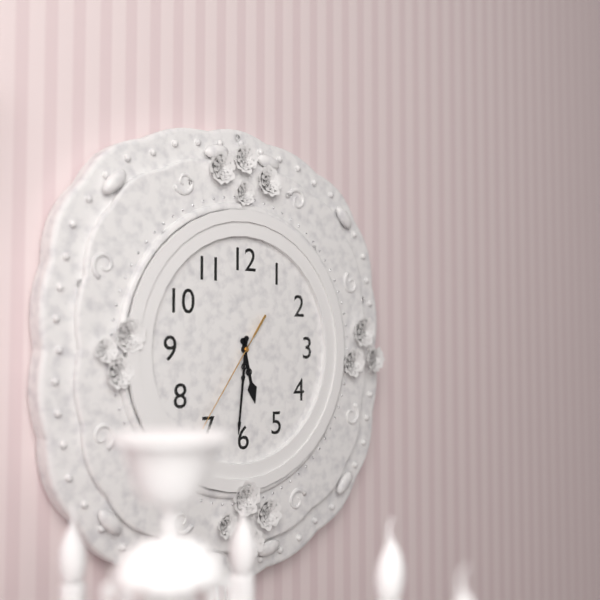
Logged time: 5 h 31 min 36 s
